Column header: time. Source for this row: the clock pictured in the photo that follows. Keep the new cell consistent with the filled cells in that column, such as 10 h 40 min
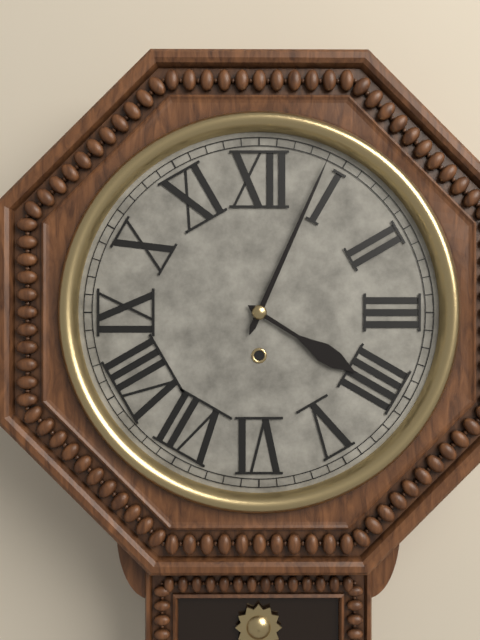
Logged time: 4 h 04 min
